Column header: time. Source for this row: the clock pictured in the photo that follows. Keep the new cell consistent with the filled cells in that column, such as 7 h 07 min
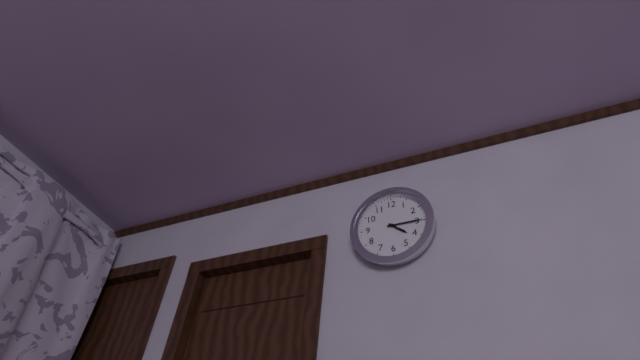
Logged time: 4 h 15 min
